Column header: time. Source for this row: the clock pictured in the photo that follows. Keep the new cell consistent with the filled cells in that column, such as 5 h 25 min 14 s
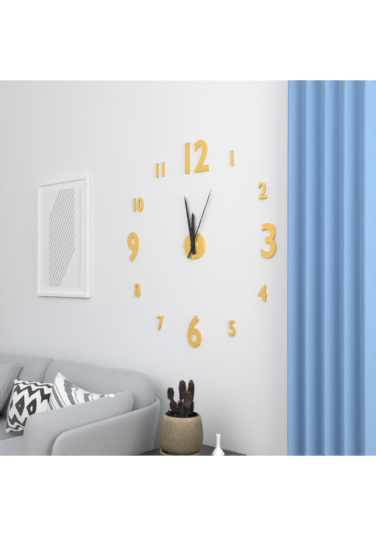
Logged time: 11 h 58 min 04 s
